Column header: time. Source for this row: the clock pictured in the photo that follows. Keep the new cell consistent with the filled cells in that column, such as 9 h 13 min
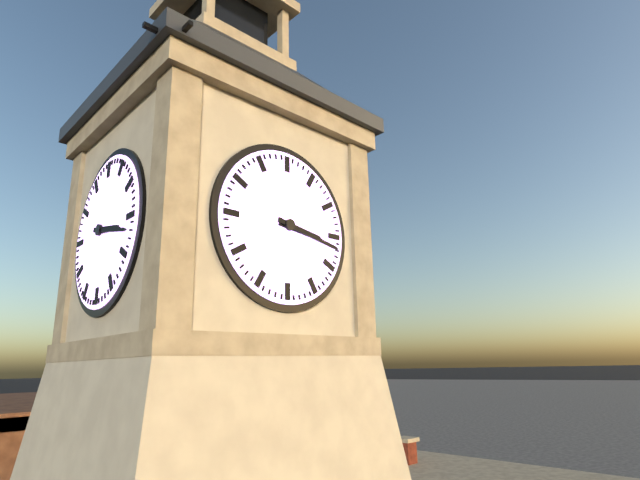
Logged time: 3 h 17 min
